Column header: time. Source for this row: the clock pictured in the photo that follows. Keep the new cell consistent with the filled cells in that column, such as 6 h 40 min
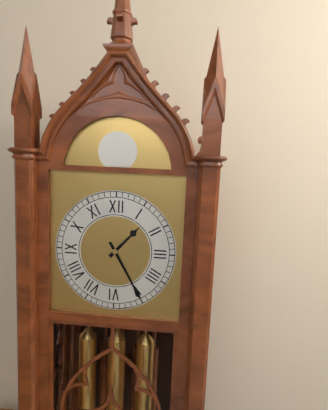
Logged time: 1 h 25 min
